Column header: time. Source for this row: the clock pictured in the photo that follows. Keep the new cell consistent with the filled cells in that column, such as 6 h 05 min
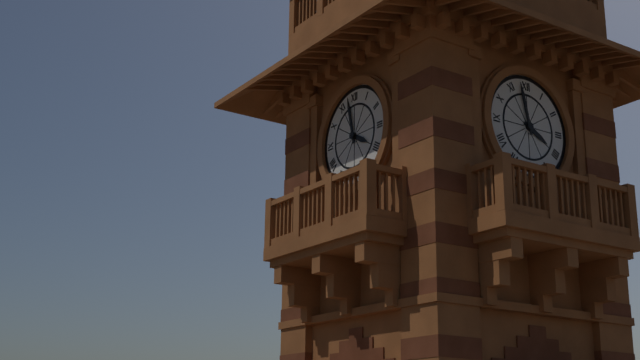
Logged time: 3 h 58 min
